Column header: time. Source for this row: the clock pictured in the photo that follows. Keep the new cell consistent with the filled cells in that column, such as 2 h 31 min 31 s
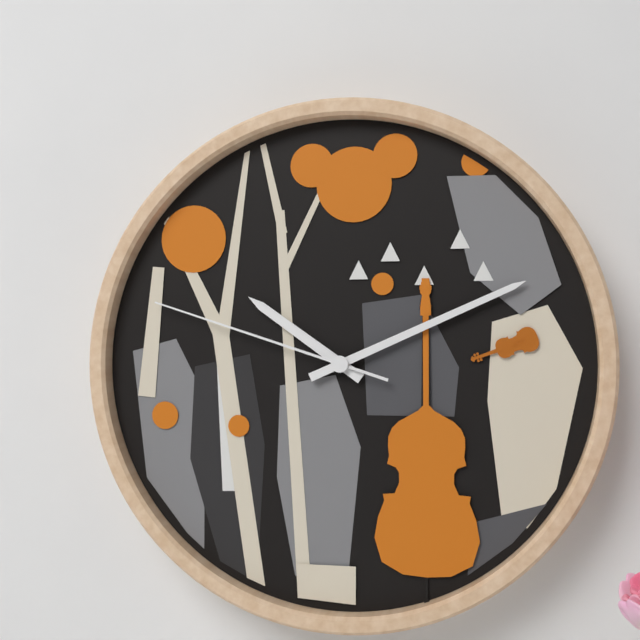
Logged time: 10 h 11 min 48 s
